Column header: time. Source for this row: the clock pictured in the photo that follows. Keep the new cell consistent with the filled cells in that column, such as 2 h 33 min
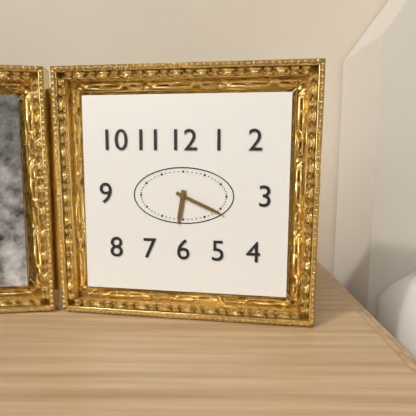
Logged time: 6 h 19 min
